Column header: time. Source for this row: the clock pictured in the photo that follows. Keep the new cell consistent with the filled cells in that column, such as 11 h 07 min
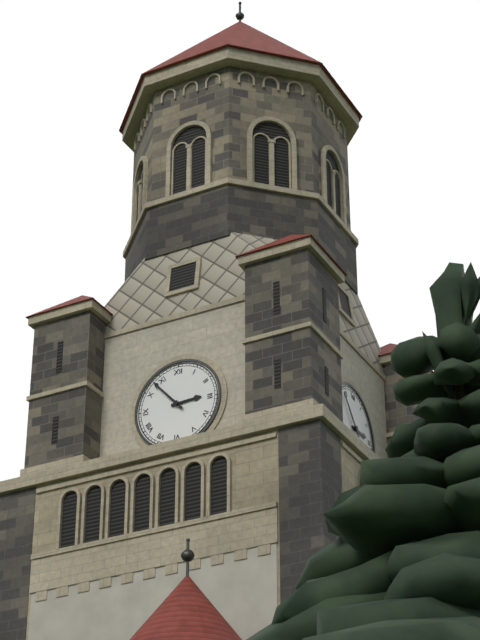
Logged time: 2 h 53 min
